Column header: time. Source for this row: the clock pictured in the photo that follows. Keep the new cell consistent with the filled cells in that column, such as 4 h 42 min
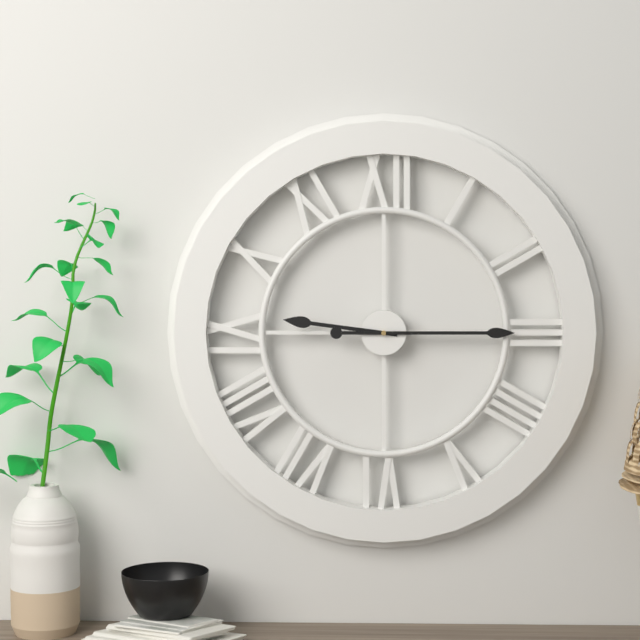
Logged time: 9 h 15 min
